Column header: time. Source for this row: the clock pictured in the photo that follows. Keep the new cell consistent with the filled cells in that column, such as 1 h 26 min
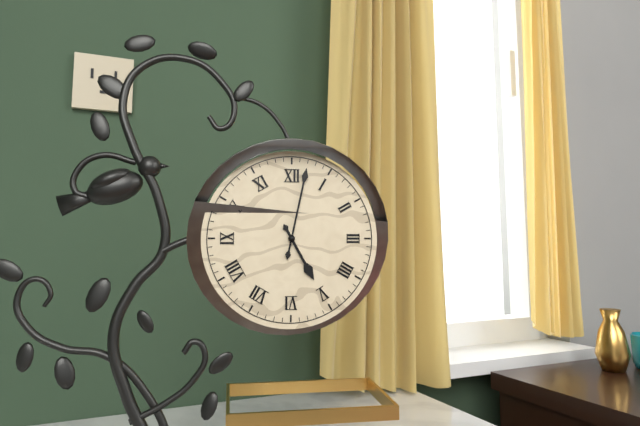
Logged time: 5 h 02 min
